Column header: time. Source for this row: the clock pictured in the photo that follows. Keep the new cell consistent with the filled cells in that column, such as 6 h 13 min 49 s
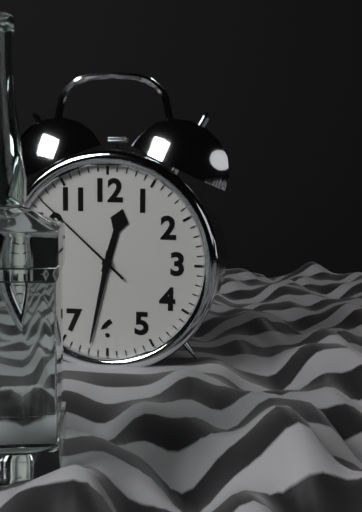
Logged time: 12 h 32 min 52 s
